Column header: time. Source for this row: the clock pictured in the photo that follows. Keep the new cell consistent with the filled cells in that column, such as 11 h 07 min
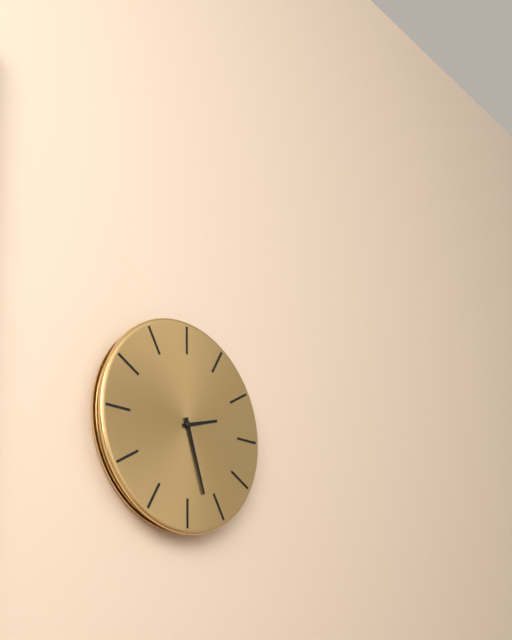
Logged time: 2 h 27 min
